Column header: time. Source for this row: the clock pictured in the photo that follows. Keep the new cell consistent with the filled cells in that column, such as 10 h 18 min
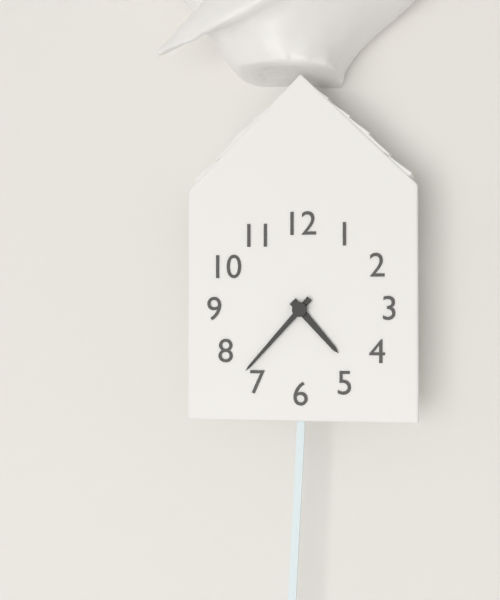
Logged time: 4 h 37 min
